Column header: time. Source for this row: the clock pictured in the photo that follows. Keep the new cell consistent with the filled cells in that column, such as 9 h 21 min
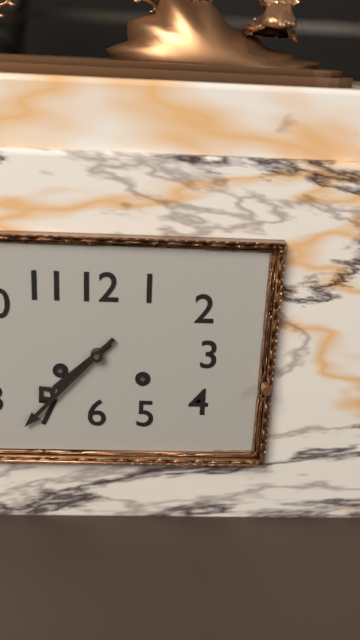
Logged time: 7 h 37 min
